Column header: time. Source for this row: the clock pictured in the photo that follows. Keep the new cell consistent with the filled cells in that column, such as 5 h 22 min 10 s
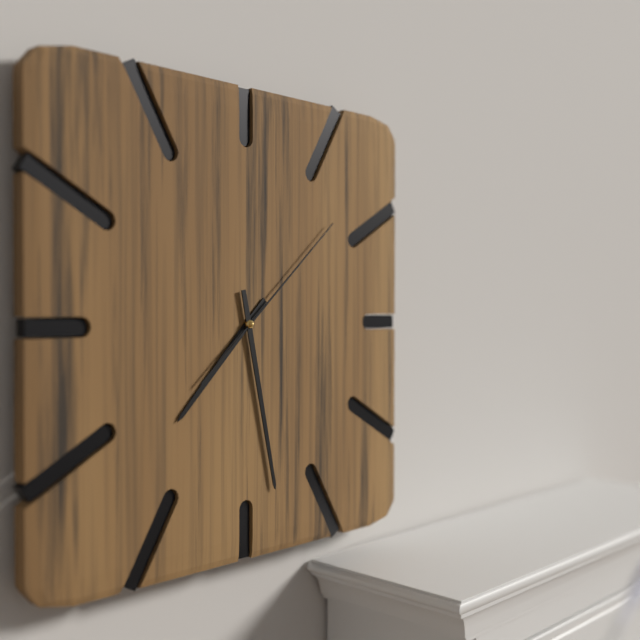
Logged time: 7 h 28 min 08 s
